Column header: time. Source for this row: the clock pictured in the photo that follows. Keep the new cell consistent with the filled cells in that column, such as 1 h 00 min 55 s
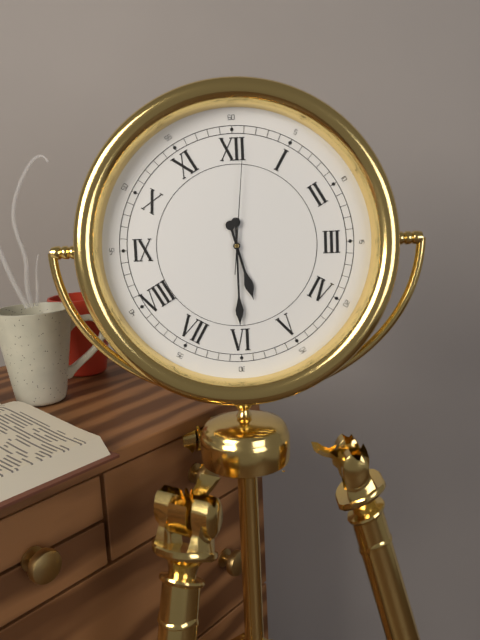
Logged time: 5 h 30 min 01 s
